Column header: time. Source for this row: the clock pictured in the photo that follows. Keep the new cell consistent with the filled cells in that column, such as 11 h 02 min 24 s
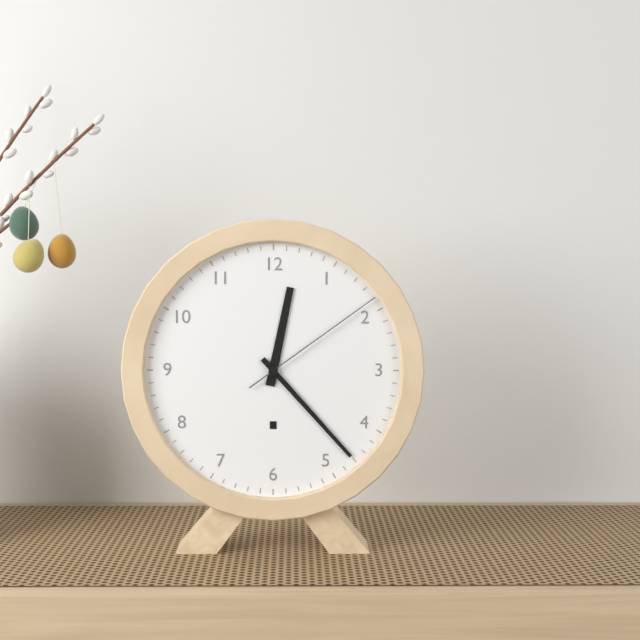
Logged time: 12 h 23 min 09 s
